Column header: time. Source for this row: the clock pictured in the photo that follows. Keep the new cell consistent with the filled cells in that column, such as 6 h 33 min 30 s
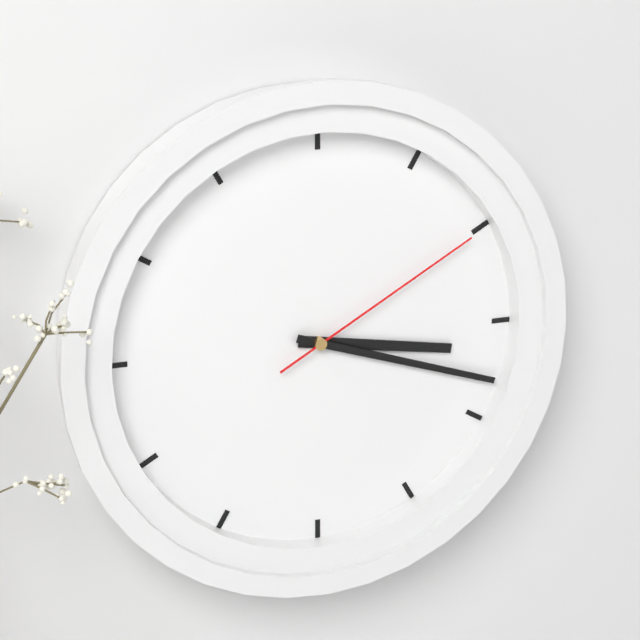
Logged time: 3 h 18 min 10 s
